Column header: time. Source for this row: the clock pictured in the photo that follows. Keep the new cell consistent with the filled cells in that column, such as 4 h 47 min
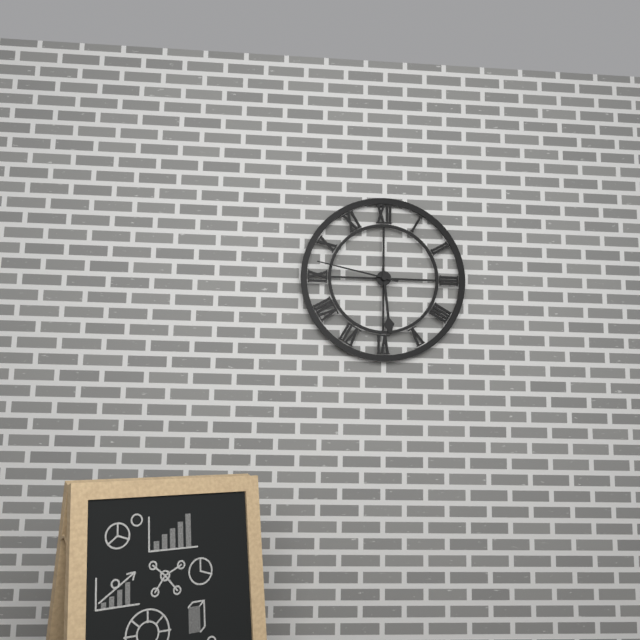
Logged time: 5 h 47 min
